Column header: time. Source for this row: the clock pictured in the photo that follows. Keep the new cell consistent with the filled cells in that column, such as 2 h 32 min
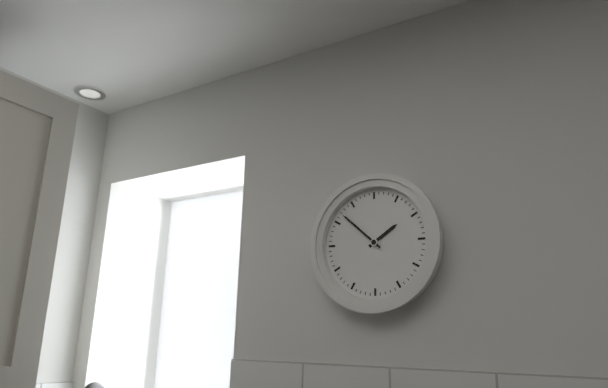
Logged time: 1 h 52 min
